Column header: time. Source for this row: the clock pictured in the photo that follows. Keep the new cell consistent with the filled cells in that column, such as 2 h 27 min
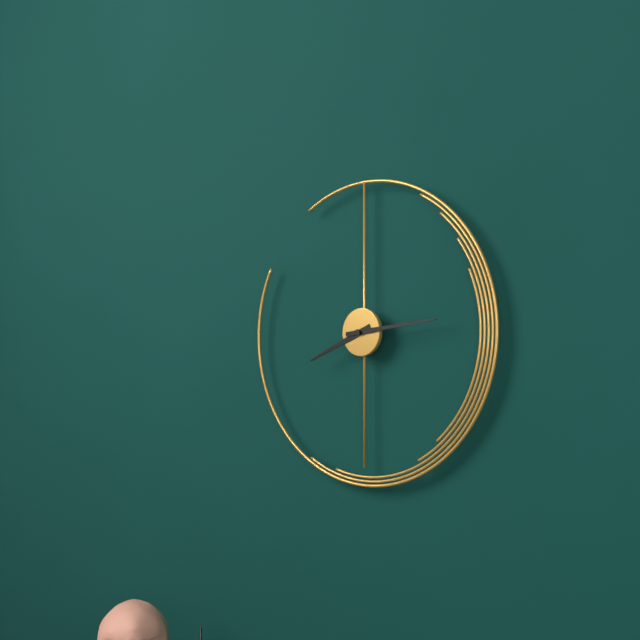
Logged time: 8 h 14 min
